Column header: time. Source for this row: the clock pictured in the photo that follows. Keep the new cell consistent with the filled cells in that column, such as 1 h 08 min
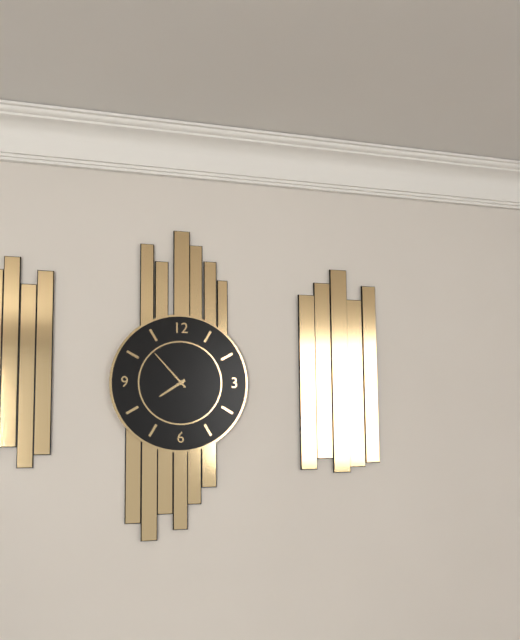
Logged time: 7 h 53 min
